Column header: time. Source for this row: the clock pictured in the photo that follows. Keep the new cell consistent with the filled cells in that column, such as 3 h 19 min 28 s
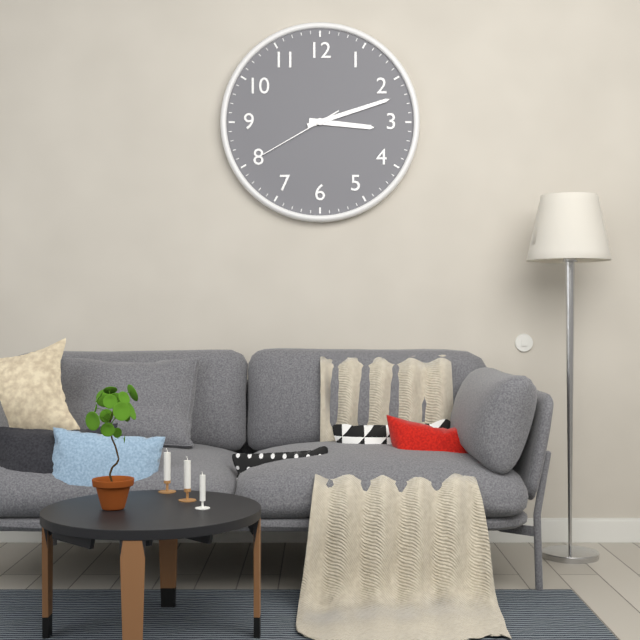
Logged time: 3 h 12 min 40 s
